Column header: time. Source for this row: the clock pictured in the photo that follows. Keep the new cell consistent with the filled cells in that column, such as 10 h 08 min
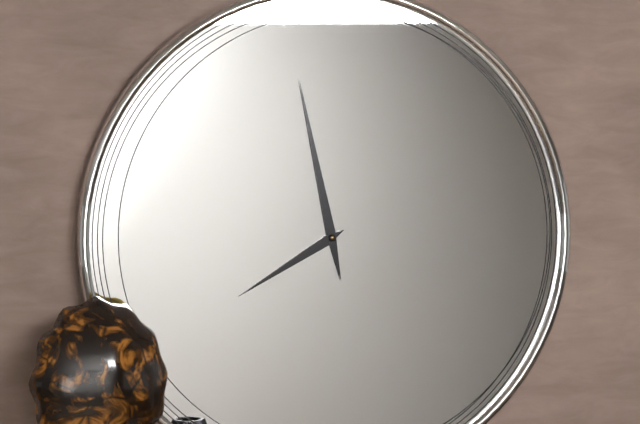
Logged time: 7 h 58 min
